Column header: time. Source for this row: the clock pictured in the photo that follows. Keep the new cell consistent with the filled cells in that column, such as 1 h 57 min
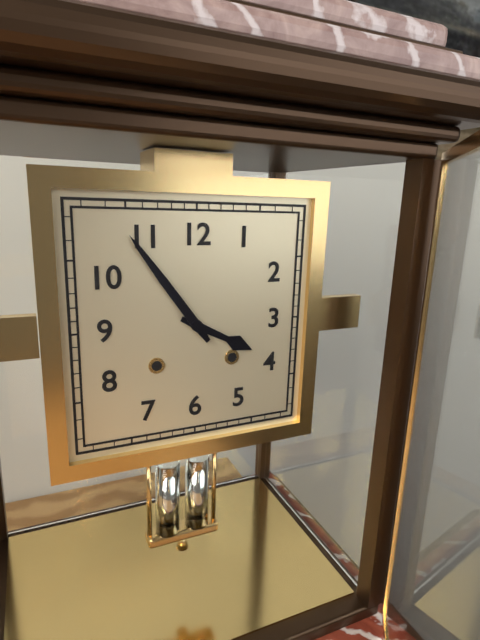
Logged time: 3 h 54 min
